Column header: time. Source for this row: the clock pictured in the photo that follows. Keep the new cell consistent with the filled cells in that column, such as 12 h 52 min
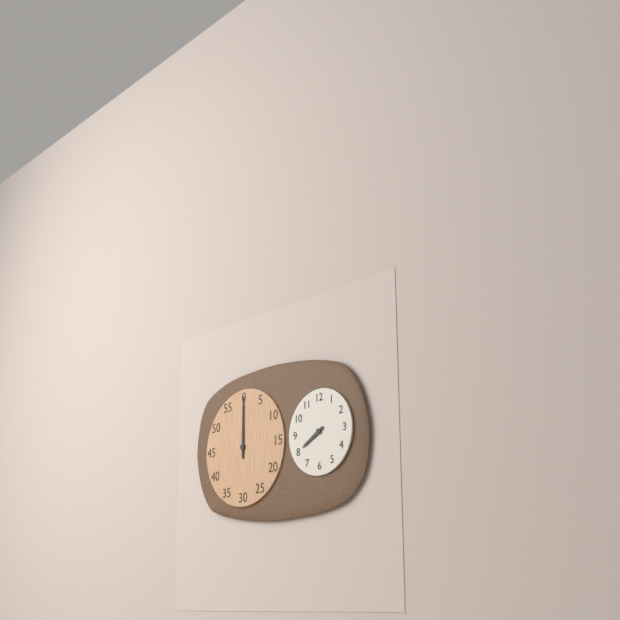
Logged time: 8 h 00 min
